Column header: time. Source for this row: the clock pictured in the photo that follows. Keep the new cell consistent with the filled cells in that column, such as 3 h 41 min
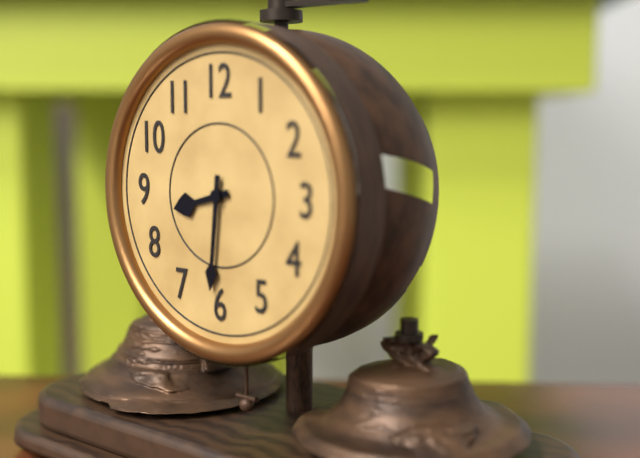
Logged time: 8 h 31 min
